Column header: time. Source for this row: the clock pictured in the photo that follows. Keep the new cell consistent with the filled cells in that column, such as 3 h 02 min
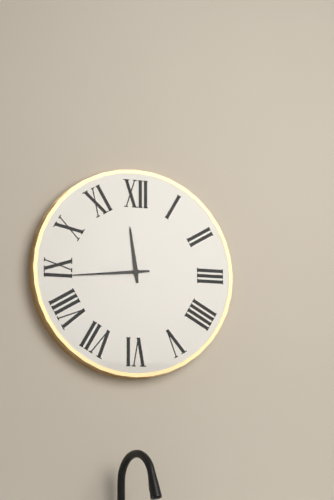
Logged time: 11 h 44 min
